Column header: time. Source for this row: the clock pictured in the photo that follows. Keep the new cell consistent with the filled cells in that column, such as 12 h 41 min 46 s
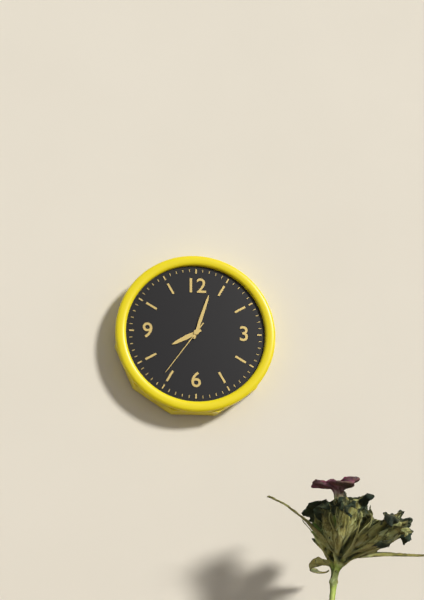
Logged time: 8 h 03 min 36 s
